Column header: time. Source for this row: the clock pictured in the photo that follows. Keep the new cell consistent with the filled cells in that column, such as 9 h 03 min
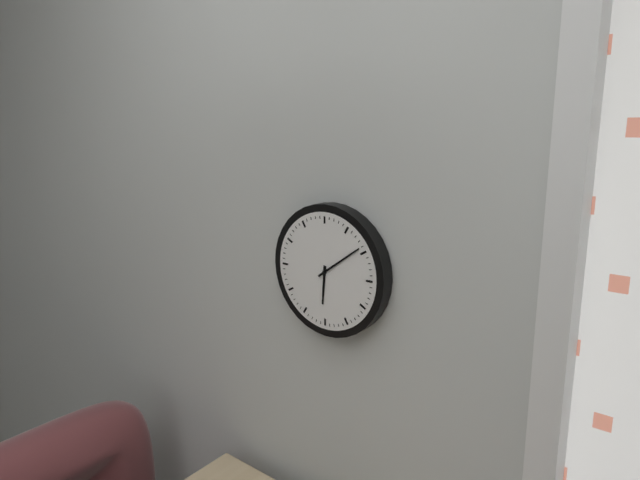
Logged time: 6 h 09 min
